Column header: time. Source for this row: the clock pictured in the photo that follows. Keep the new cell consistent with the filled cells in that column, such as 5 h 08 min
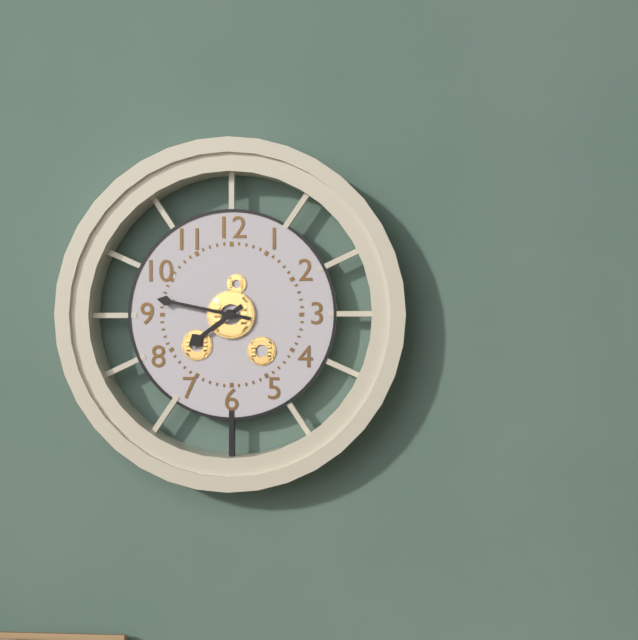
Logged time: 7 h 47 min
